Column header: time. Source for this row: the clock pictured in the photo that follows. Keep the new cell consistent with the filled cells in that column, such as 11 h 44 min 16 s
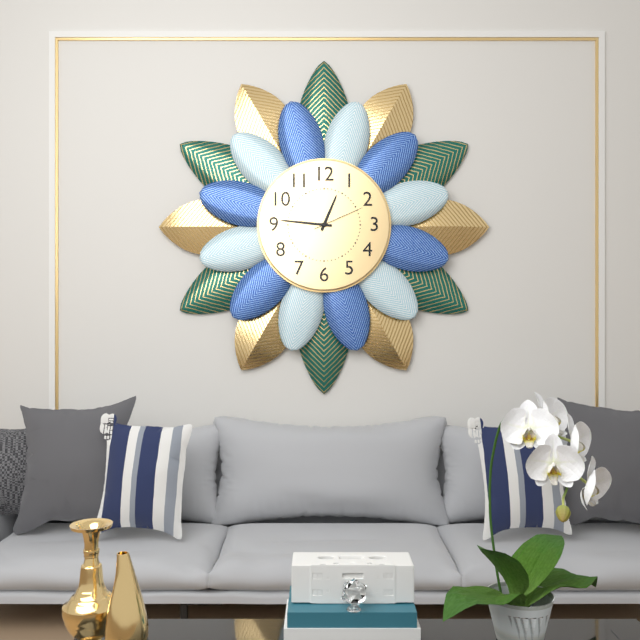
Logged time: 12 h 46 min 11 s
